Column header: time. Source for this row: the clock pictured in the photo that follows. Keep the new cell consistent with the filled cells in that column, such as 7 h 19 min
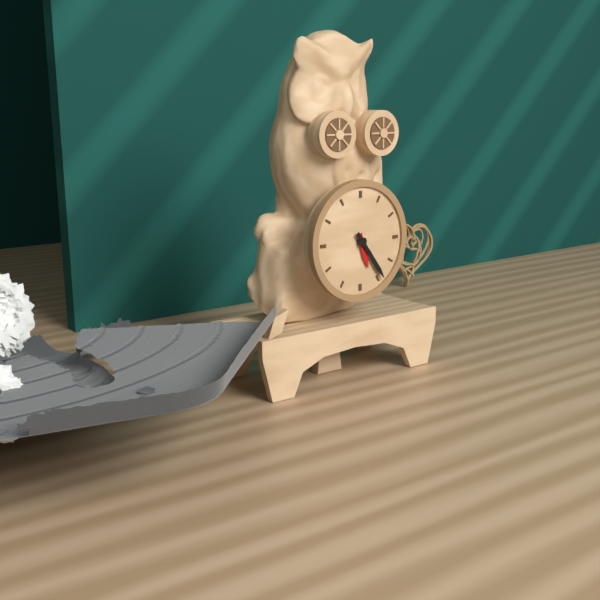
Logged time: 5 h 24 min
